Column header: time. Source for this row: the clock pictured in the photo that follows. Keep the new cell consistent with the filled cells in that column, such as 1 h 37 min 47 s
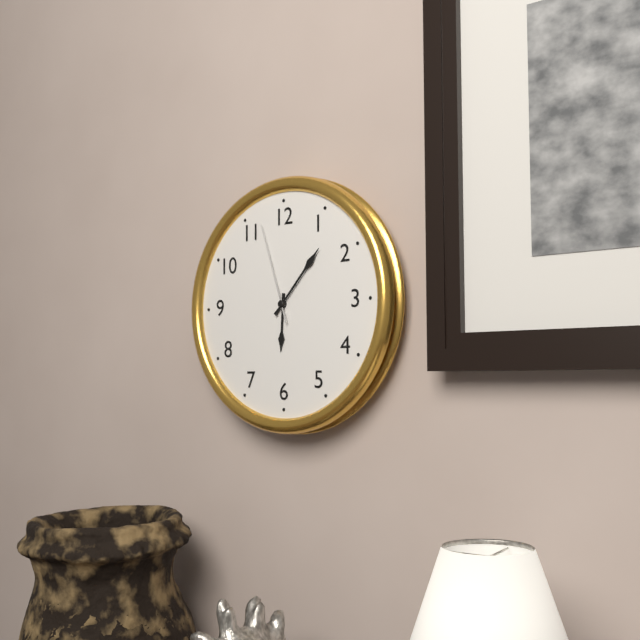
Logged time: 6 h 07 min 57 s
